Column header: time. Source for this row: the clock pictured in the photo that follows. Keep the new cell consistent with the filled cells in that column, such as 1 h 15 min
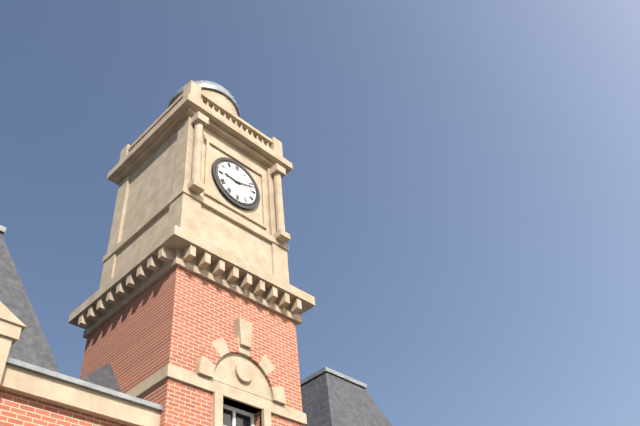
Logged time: 9 h 12 min
